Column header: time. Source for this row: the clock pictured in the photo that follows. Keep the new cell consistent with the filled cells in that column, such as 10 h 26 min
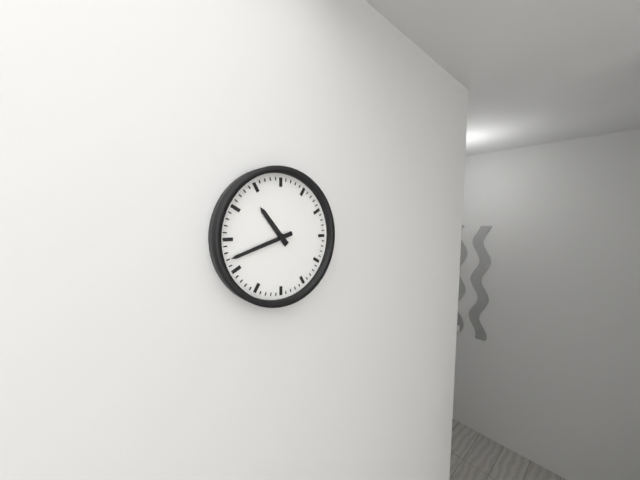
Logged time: 10 h 42 min
